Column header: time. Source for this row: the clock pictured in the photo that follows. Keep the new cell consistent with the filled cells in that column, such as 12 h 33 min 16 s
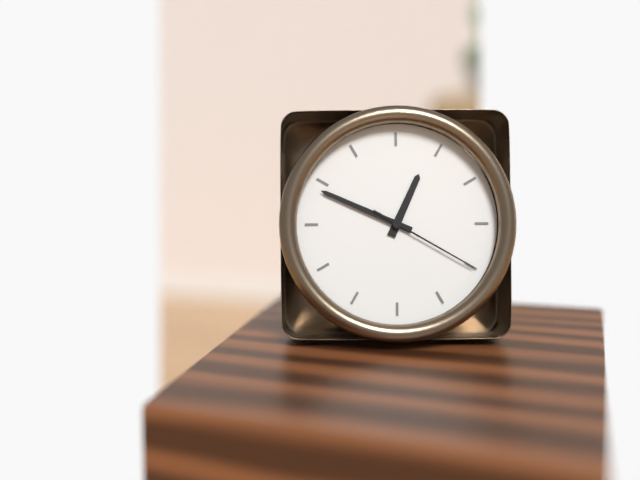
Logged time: 12 h 49 min 20 s
